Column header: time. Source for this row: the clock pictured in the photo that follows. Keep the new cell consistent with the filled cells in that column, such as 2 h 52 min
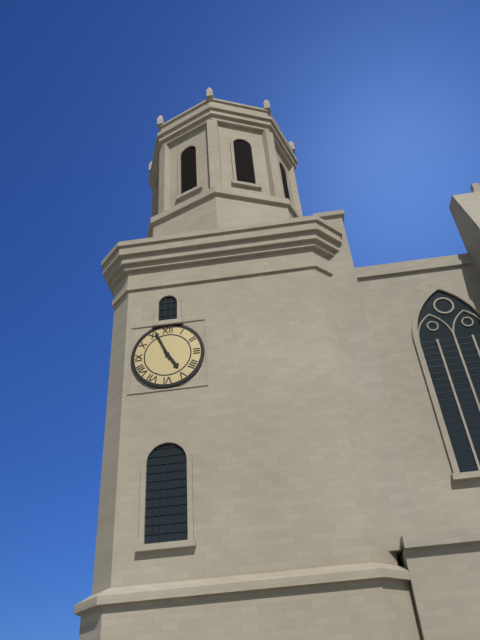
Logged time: 4 h 56 min
